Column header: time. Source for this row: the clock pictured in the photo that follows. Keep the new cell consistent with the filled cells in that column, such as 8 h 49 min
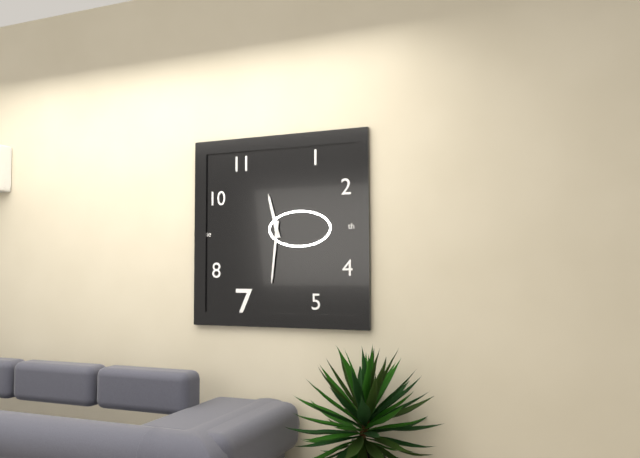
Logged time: 11 h 31 min
